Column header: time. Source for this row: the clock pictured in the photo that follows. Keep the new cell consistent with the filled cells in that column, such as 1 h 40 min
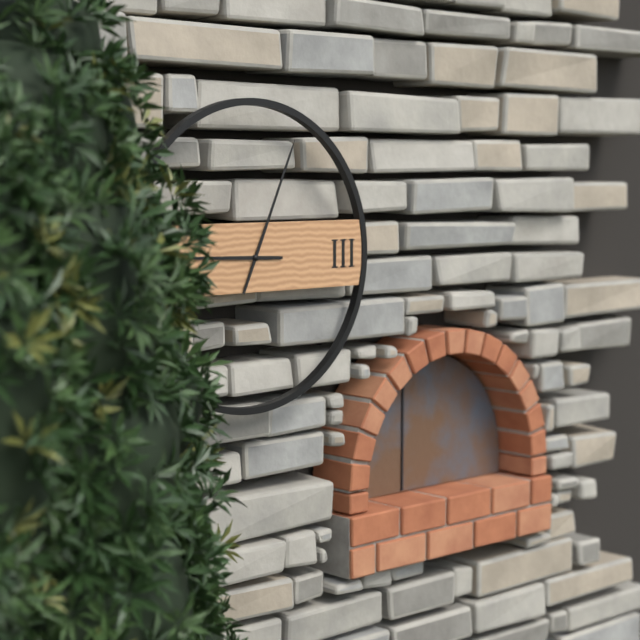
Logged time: 9 h 04 min
